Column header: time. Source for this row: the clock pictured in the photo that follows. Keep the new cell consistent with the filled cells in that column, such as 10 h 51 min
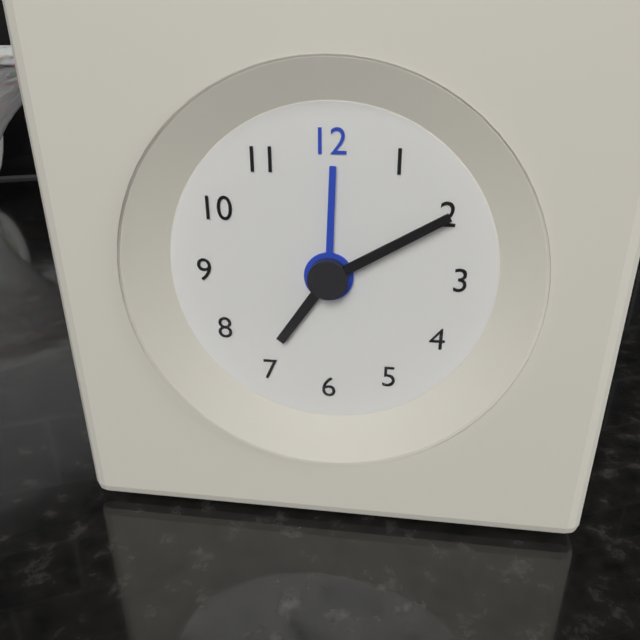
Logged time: 7 h 10 min
